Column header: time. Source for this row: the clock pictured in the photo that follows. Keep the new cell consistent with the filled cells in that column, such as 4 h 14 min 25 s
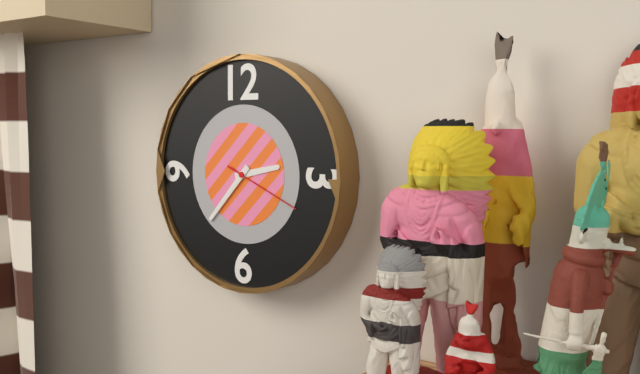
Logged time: 2 h 37 min 19 s
